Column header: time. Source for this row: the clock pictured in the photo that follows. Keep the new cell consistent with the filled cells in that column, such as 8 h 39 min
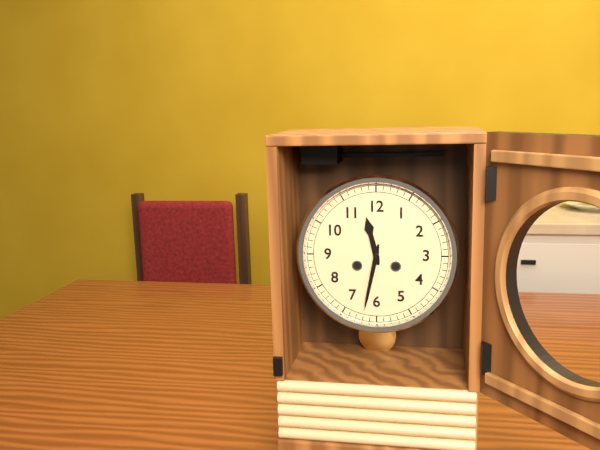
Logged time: 11 h 32 min
